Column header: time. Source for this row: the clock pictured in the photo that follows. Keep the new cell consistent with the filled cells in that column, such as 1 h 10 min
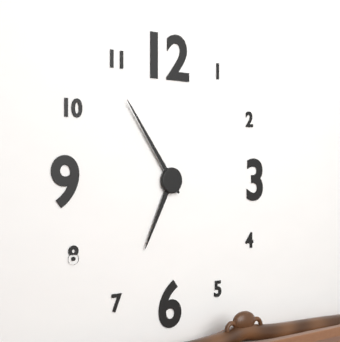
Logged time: 6 h 54 min
